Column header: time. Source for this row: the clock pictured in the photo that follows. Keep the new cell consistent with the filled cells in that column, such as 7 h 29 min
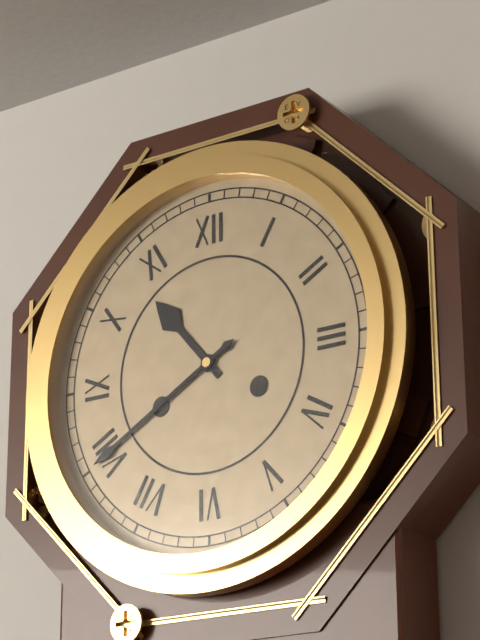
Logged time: 10 h 40 min
